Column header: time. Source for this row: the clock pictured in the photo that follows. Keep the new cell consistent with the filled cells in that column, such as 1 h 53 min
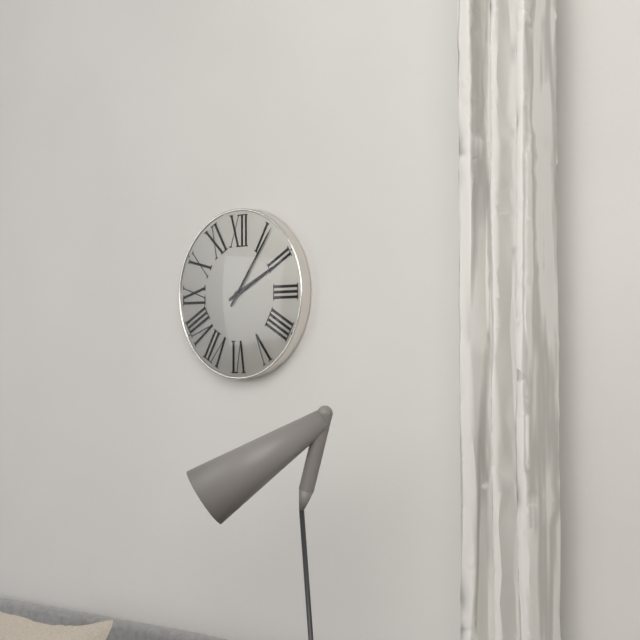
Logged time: 2 h 06 min
